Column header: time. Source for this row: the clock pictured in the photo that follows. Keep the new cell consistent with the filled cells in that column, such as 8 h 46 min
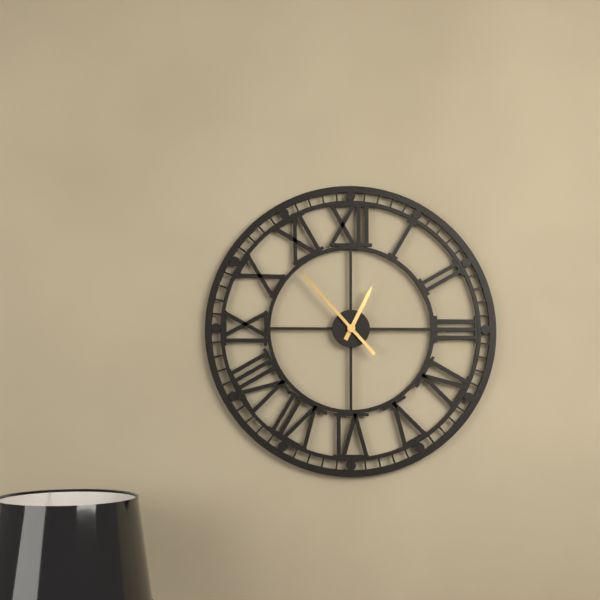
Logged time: 12 h 53 min
